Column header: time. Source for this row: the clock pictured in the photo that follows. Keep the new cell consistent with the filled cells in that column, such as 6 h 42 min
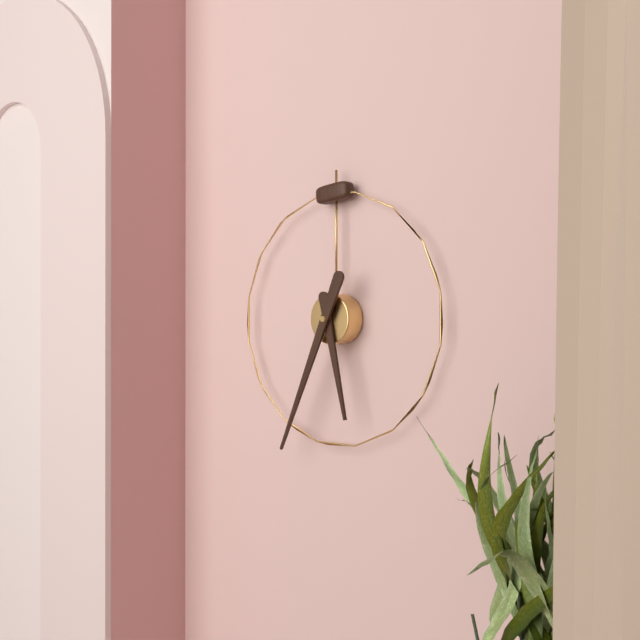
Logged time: 5 h 34 min
